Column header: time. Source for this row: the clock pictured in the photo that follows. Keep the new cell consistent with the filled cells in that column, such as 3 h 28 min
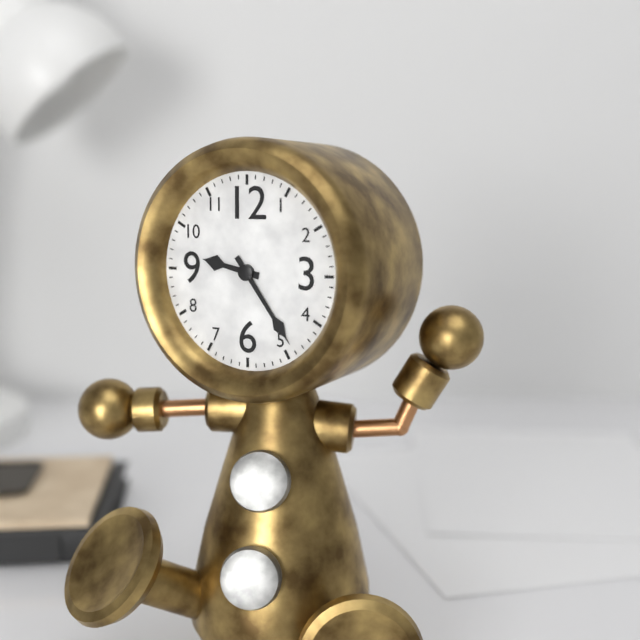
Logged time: 9 h 24 min
